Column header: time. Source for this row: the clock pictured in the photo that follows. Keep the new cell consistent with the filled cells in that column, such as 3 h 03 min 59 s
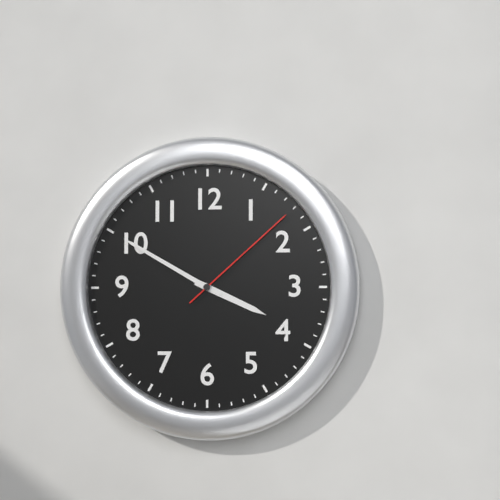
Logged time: 3 h 50 min 08 s
